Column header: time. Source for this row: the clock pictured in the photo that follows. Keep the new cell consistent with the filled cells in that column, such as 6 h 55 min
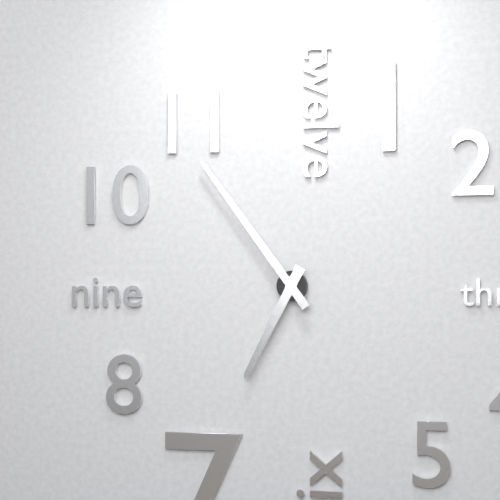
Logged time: 6 h 54 min
